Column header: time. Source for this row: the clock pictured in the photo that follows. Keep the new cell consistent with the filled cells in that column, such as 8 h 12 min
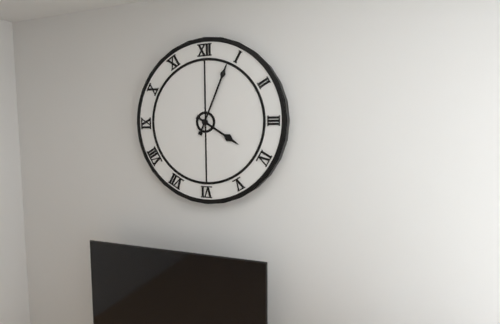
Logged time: 4 h 04 min
